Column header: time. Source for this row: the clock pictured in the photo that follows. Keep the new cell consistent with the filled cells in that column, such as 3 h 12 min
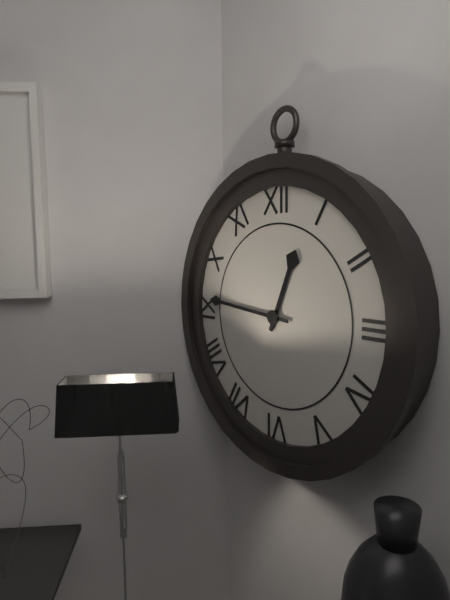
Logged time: 12 h 46 min
